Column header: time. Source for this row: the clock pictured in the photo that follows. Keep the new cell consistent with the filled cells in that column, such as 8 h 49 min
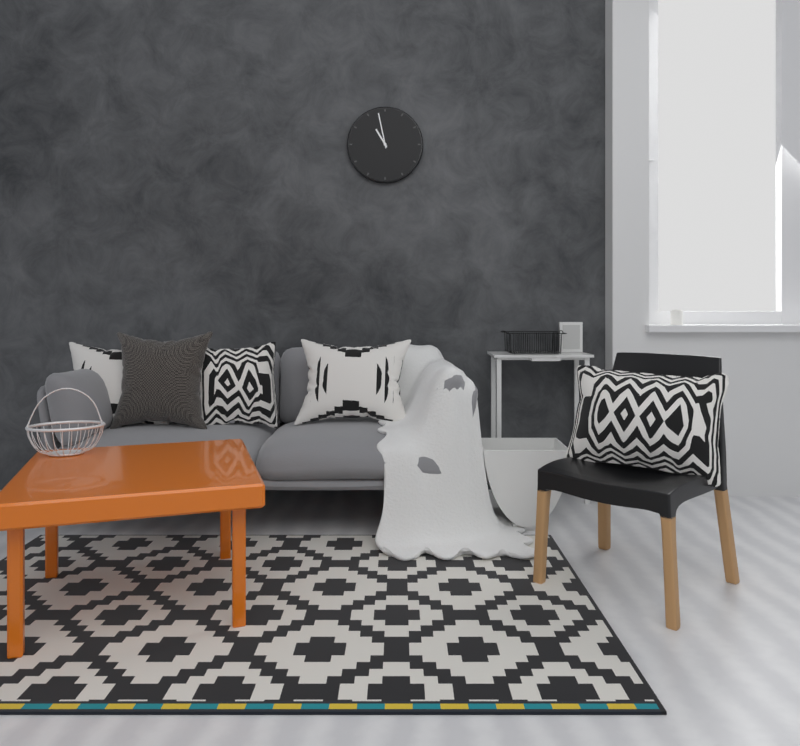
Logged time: 10 h 58 min
